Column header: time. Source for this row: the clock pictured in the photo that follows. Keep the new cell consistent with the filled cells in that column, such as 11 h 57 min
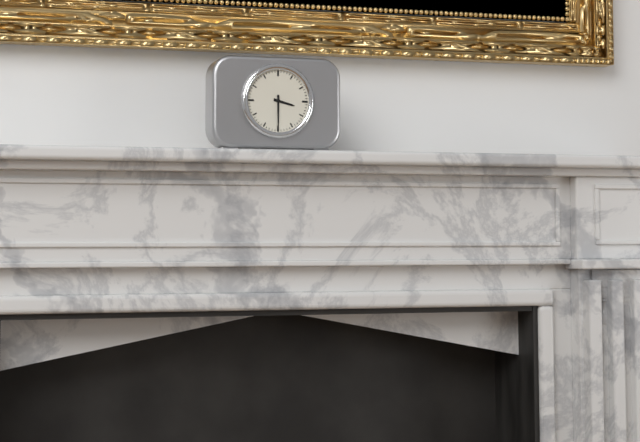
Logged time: 3 h 30 min
